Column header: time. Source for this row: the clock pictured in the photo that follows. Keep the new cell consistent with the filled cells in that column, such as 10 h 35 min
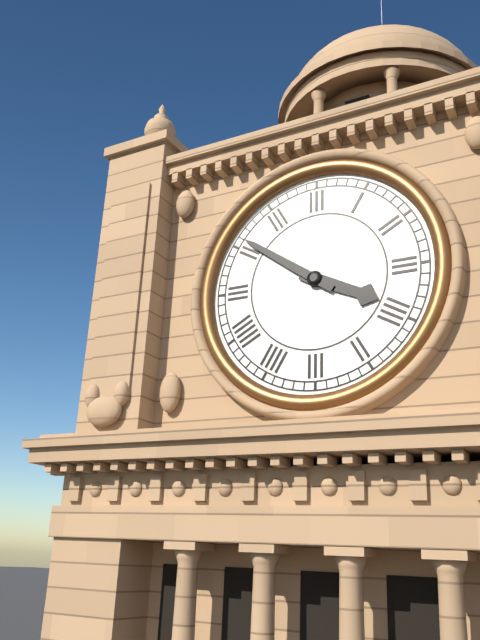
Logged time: 3 h 51 min
